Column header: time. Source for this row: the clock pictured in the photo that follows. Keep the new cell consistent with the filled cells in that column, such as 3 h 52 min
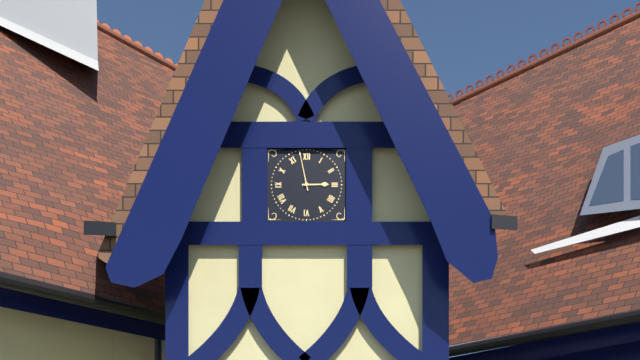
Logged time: 2 h 58 min
